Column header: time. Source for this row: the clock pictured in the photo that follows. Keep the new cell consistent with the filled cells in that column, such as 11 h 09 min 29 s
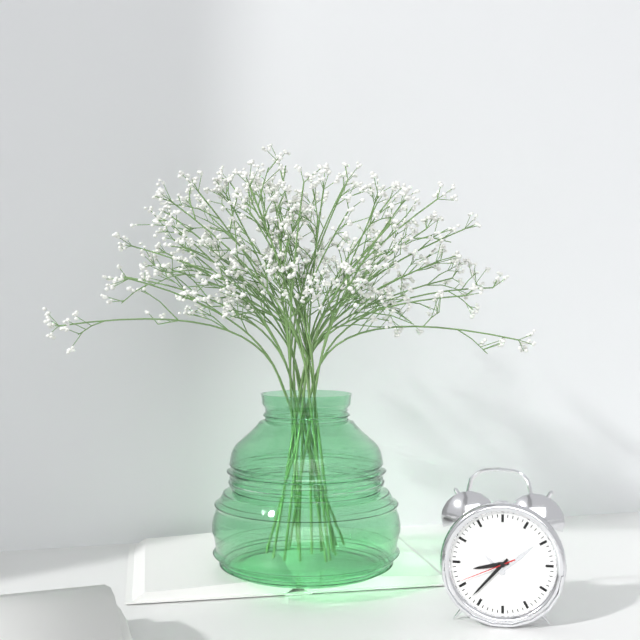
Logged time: 8 h 37 min 41 s
